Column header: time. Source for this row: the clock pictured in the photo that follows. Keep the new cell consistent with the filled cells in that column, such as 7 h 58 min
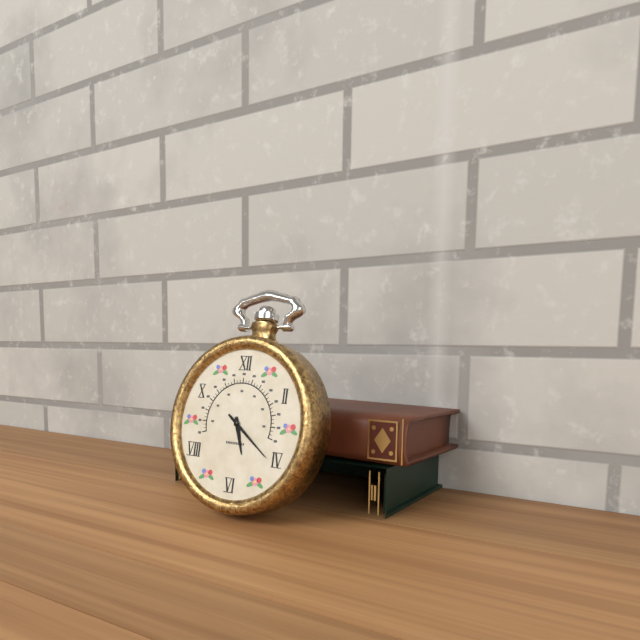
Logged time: 5 h 21 min
